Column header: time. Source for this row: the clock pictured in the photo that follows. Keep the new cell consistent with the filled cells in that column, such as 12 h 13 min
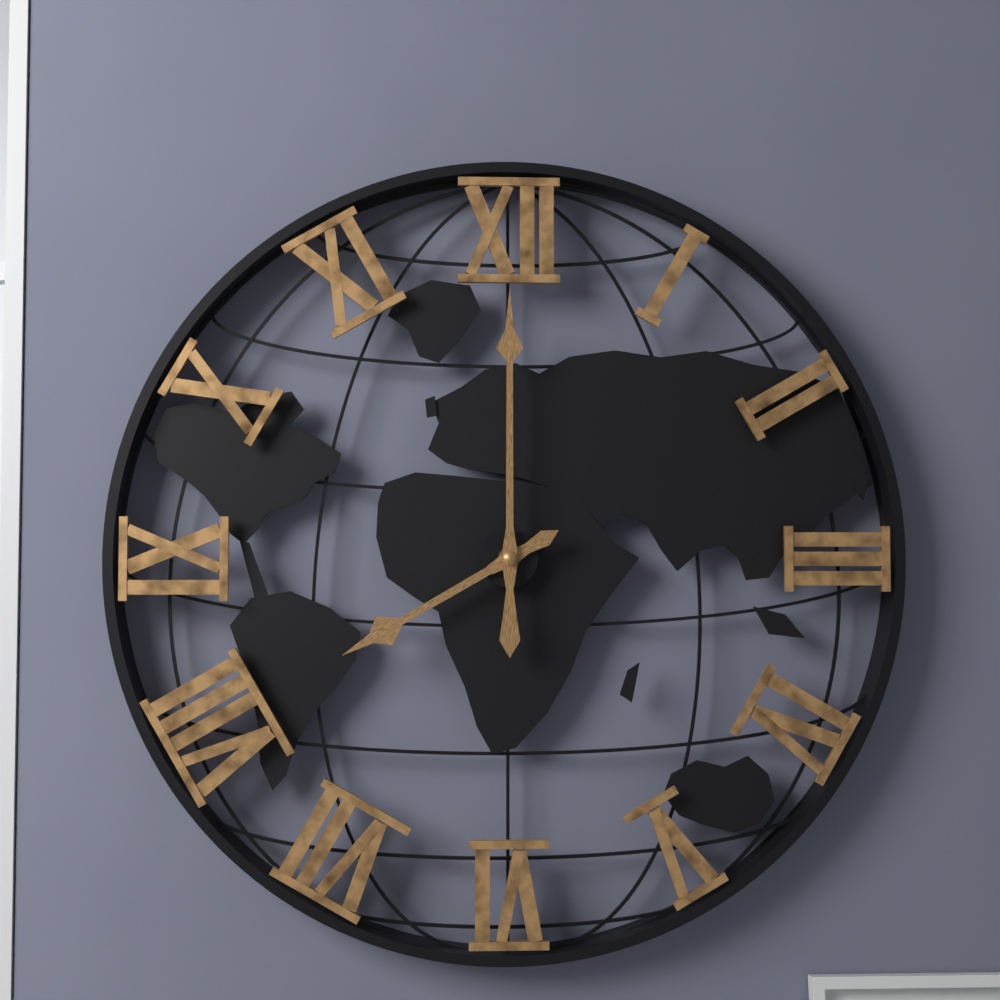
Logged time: 8 h 00 min
